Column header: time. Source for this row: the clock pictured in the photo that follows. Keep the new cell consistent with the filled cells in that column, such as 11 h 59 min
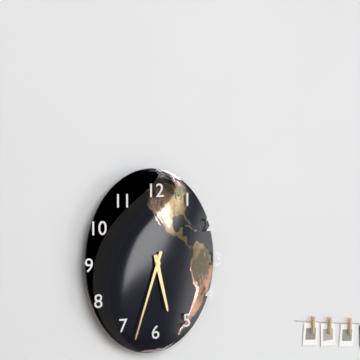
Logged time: 5 h 33 min
